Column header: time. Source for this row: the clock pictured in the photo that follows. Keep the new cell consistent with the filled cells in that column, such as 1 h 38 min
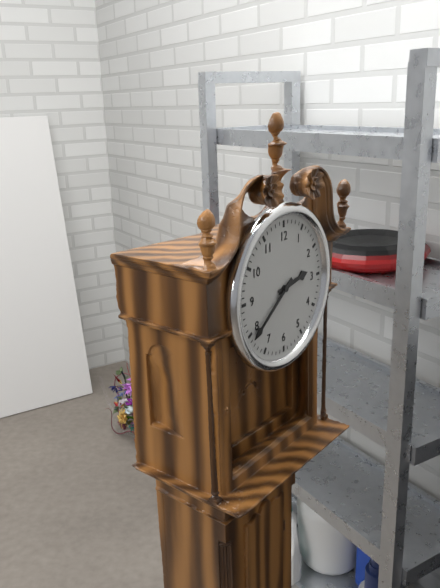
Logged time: 2 h 39 min
